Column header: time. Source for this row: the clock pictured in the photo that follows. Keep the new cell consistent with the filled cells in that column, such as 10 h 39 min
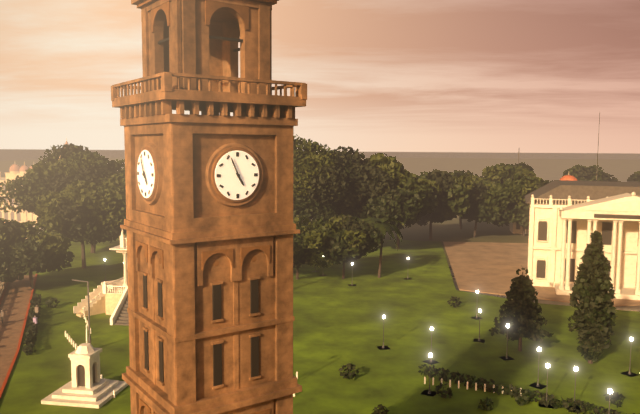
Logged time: 4 h 56 min
